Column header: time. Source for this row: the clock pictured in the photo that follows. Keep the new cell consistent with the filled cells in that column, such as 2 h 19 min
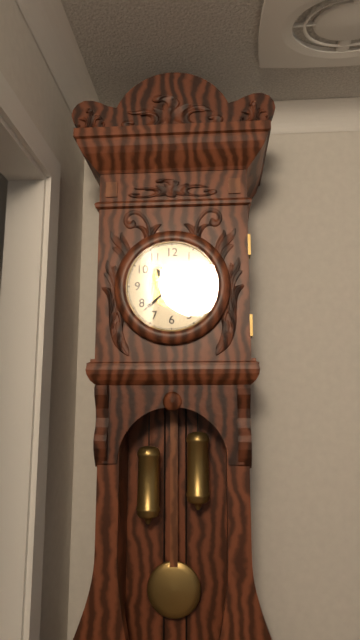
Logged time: 10 h 38 min
